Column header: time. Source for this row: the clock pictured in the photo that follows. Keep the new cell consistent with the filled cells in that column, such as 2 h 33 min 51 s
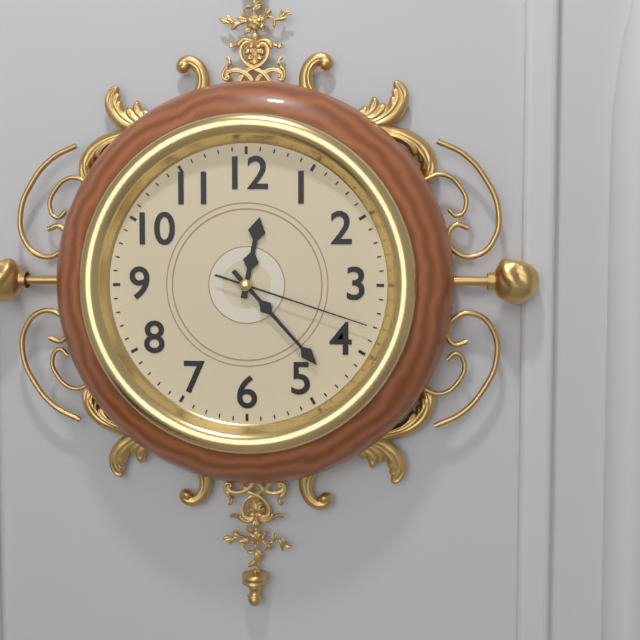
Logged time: 12 h 23 min 18 s
